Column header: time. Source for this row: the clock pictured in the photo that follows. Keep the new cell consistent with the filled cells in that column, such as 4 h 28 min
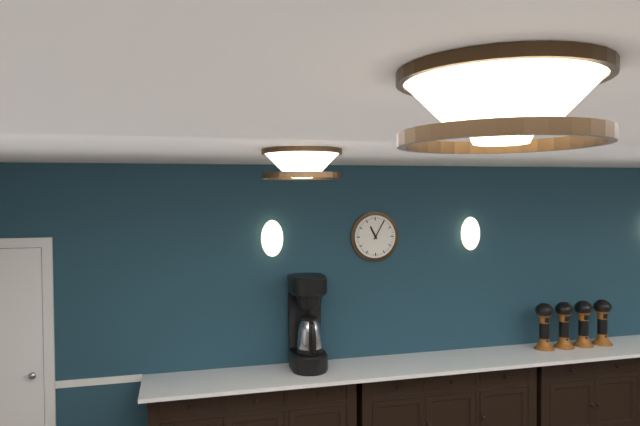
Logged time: 11 h 05 min
